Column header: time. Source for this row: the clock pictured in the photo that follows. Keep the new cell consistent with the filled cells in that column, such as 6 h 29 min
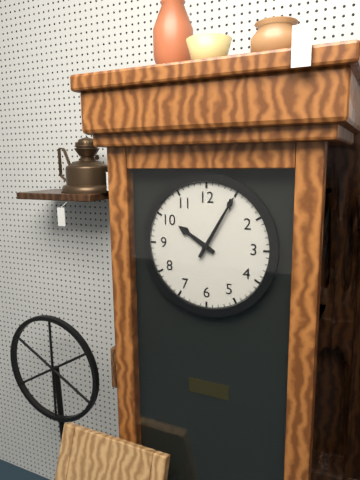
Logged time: 10 h 05 min
